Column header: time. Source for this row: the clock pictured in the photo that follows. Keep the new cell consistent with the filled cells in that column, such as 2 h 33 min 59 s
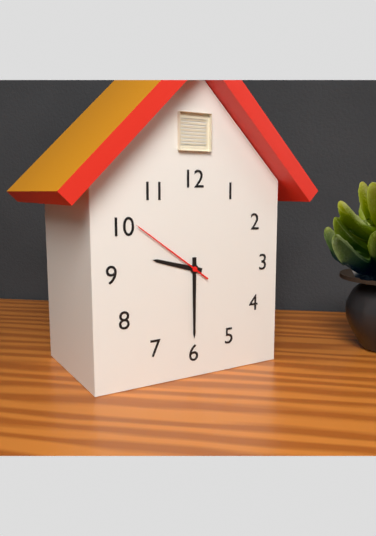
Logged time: 9 h 30 min 51 s
